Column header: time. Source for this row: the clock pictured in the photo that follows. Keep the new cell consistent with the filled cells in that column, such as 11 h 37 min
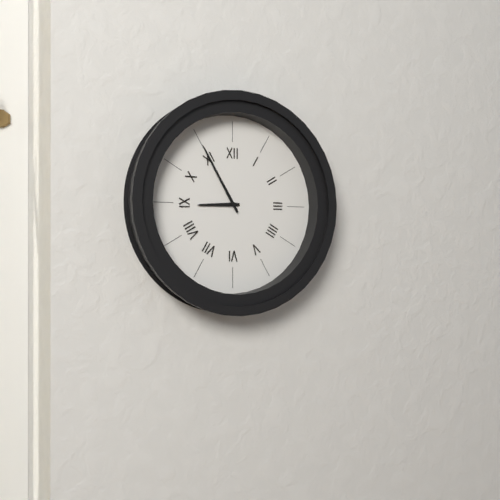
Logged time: 8 h 55 min
